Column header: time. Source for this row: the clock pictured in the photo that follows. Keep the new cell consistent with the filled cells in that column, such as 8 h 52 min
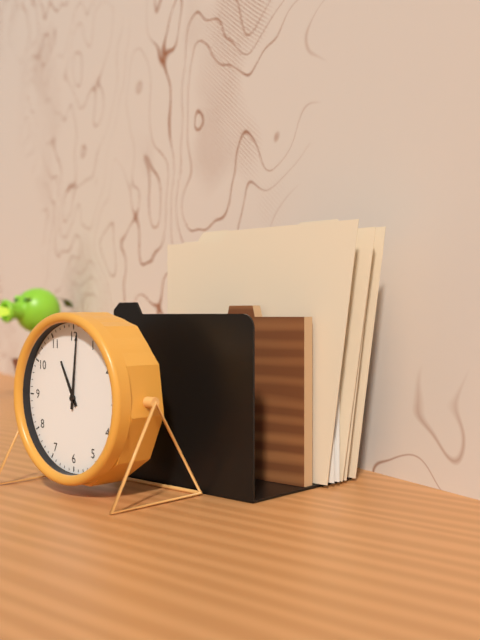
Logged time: 11 h 01 min
